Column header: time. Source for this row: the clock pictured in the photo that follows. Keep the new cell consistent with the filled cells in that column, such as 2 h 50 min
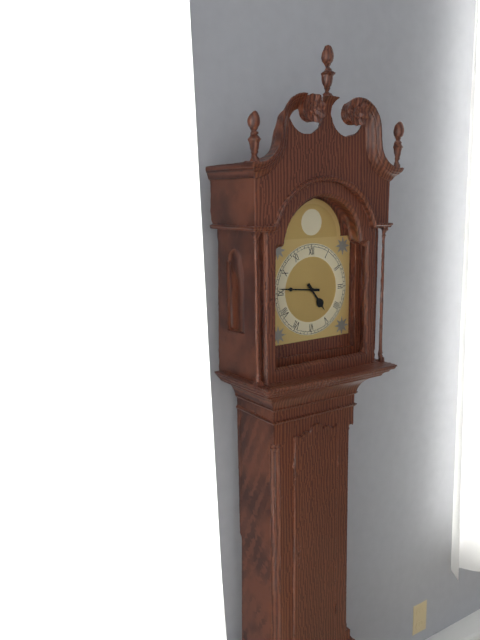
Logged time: 4 h 46 min
